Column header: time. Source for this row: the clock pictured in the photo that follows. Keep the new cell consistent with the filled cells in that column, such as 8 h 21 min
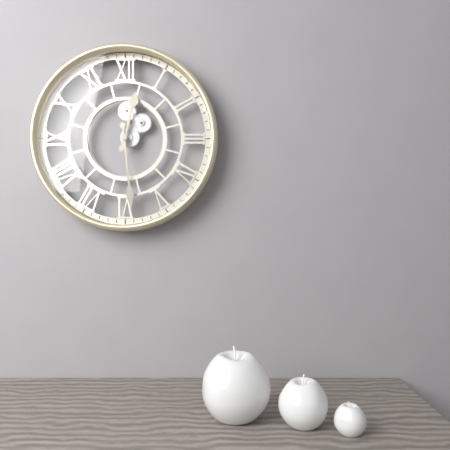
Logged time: 12 h 29 min
